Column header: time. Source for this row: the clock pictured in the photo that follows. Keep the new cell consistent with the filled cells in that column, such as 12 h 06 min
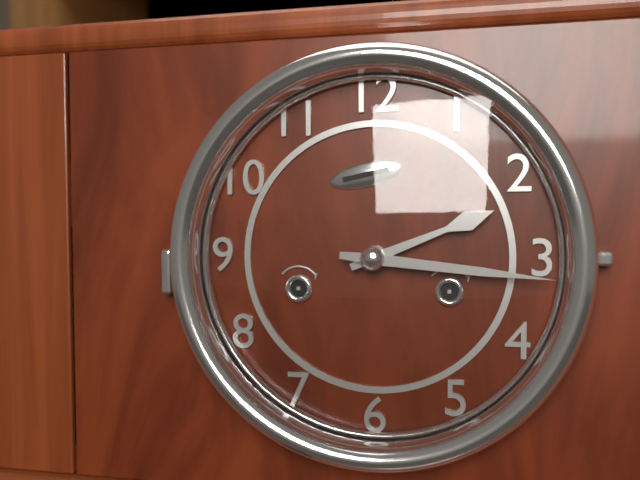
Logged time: 2 h 16 min
